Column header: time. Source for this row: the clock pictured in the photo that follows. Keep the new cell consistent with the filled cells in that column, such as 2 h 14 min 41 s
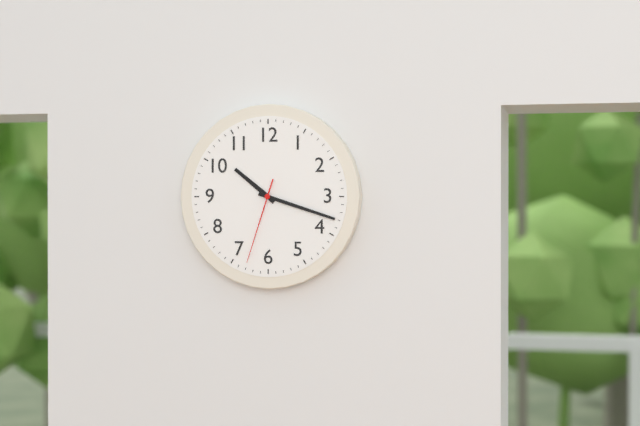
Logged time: 10 h 18 min 33 s
